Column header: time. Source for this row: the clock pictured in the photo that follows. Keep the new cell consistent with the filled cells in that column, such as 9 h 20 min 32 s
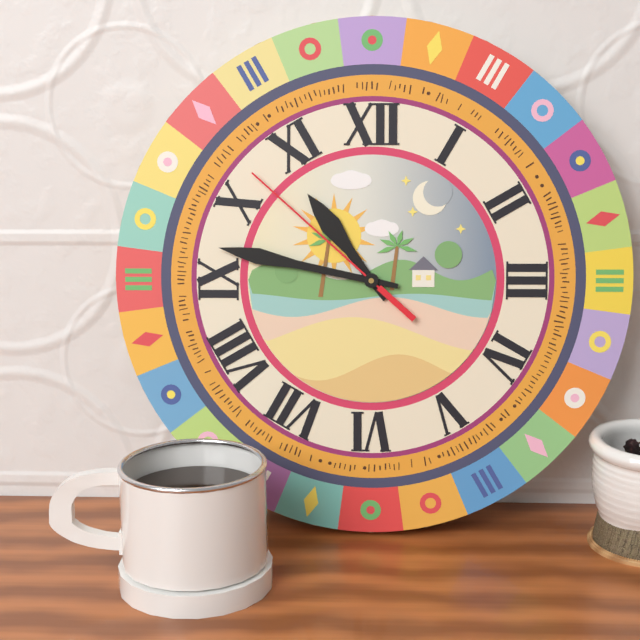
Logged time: 10 h 47 min 52 s
